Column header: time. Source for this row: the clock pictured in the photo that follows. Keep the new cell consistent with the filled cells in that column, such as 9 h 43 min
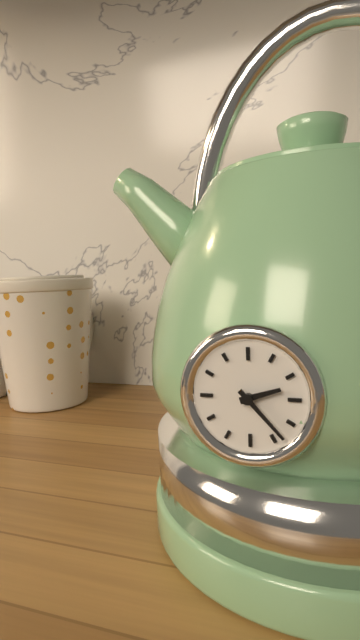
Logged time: 2 h 23 min
